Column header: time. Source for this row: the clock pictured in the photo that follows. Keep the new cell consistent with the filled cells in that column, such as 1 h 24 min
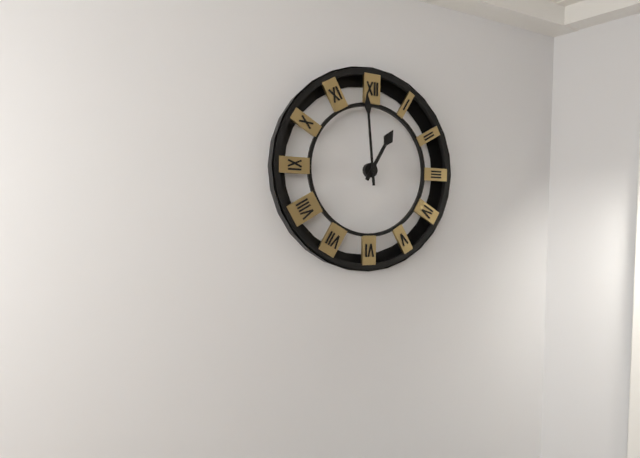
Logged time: 12 h 59 min
